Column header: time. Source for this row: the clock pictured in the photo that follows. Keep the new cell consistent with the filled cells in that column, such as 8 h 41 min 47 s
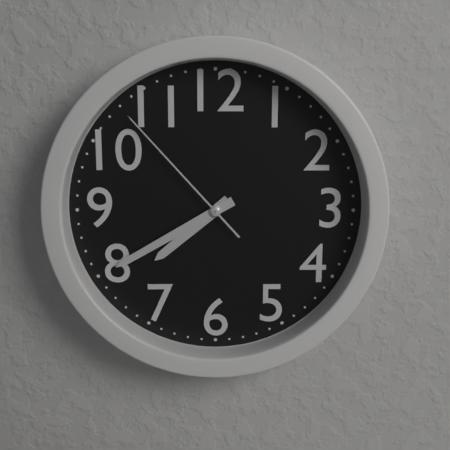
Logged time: 7 h 40 min 53 s
